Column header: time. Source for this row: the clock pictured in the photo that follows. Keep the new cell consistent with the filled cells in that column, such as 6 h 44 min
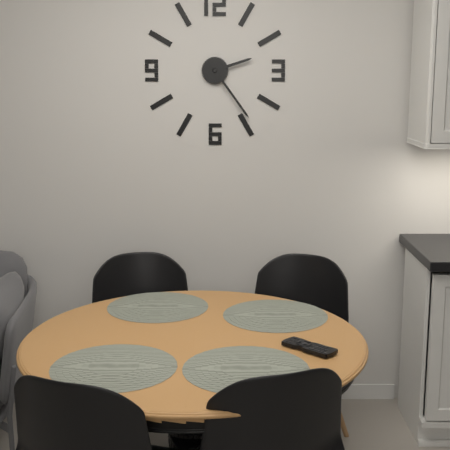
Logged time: 2 h 24 min
